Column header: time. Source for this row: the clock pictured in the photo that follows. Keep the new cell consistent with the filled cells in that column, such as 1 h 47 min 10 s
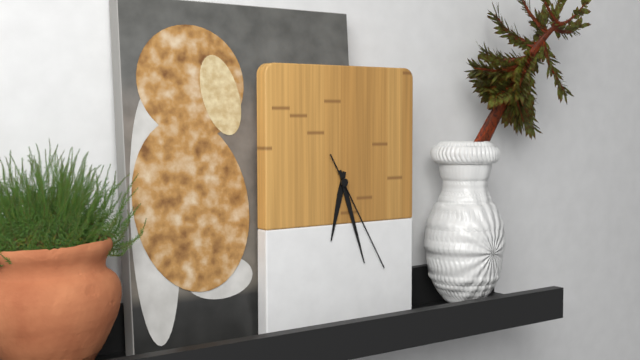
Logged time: 6 h 27 min 25 s
